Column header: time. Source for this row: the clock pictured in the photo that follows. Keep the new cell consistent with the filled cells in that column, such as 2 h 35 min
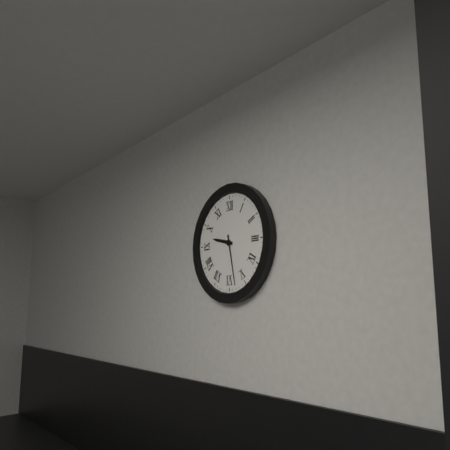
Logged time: 9 h 28 min
